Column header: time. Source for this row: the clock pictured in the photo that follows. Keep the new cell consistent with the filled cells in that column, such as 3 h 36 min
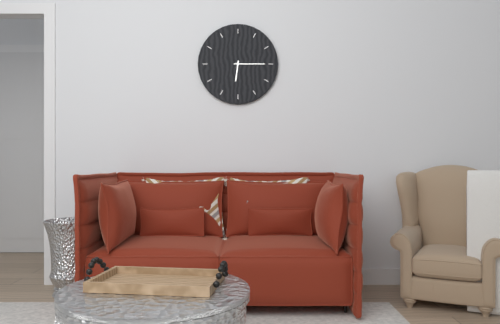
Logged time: 6 h 15 min
